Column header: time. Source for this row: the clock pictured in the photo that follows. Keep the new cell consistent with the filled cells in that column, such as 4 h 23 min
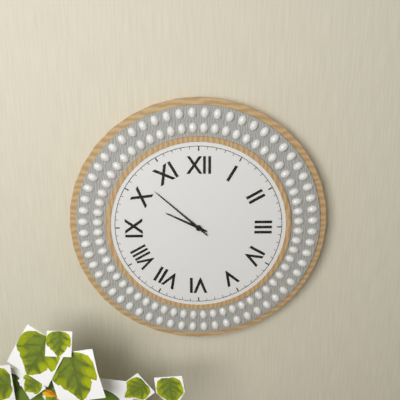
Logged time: 9 h 52 min
